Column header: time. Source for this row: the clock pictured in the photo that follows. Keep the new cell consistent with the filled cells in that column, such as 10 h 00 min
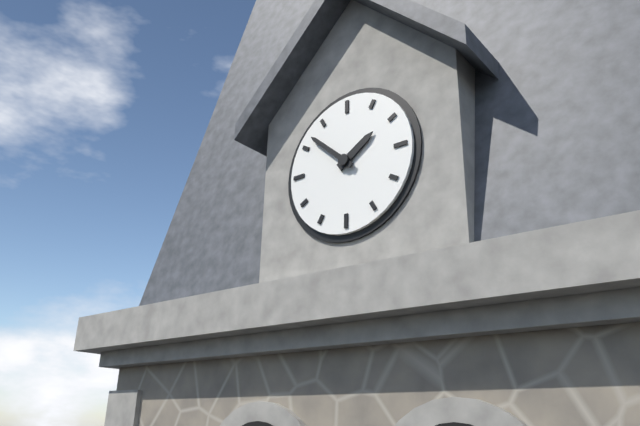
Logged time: 1 h 52 min
